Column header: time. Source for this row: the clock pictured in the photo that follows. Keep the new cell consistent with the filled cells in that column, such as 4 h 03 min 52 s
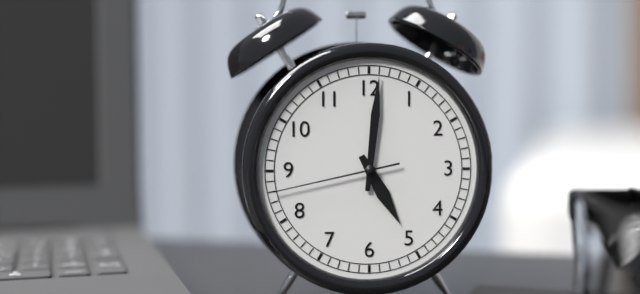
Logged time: 5 h 01 min 43 s
